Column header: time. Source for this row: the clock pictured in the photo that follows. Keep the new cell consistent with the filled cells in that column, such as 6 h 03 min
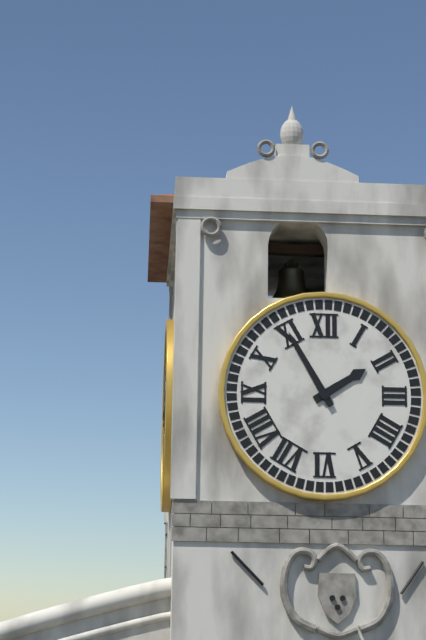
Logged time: 1 h 55 min
